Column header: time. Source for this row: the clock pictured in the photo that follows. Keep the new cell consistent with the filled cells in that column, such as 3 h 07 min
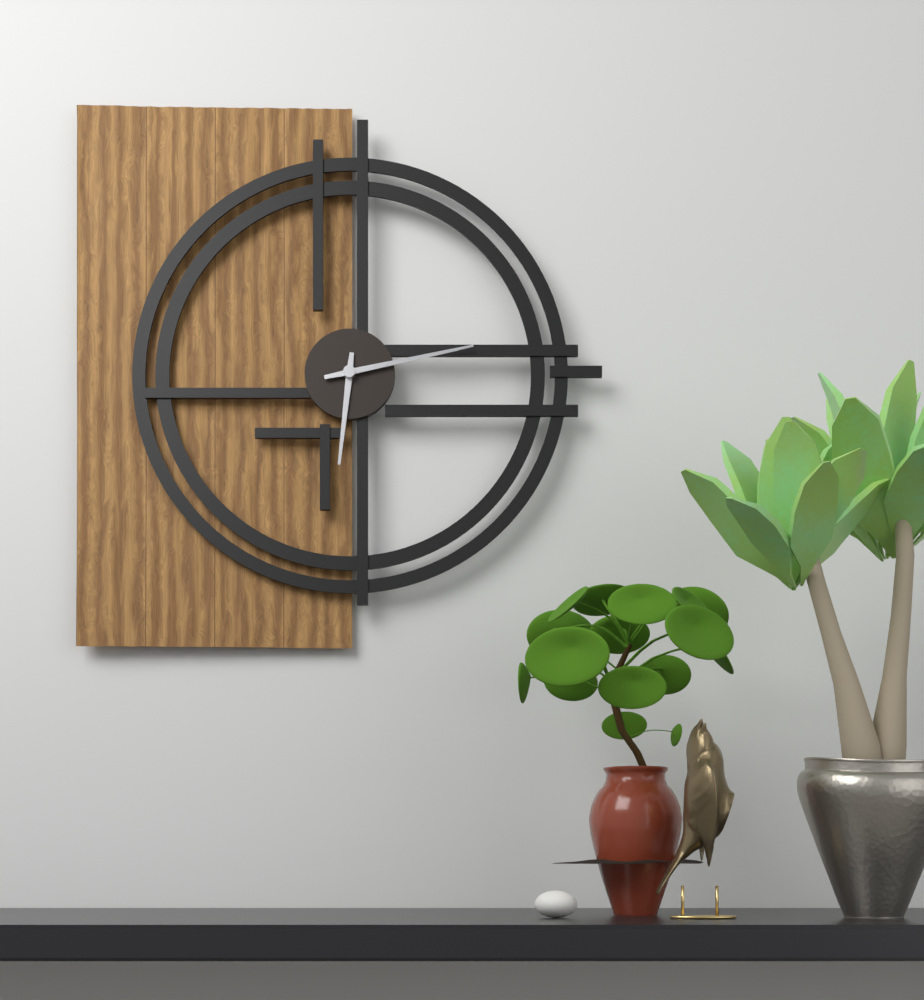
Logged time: 6 h 13 min
